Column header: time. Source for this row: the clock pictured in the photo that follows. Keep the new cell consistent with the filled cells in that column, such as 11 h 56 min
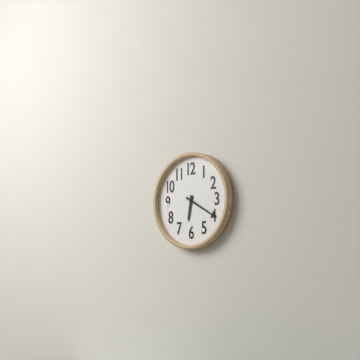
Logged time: 6 h 20 min
